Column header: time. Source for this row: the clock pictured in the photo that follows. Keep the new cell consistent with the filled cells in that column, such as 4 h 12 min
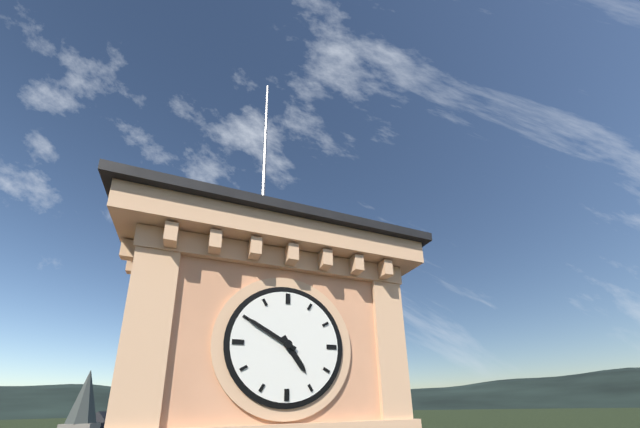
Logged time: 4 h 50 min
